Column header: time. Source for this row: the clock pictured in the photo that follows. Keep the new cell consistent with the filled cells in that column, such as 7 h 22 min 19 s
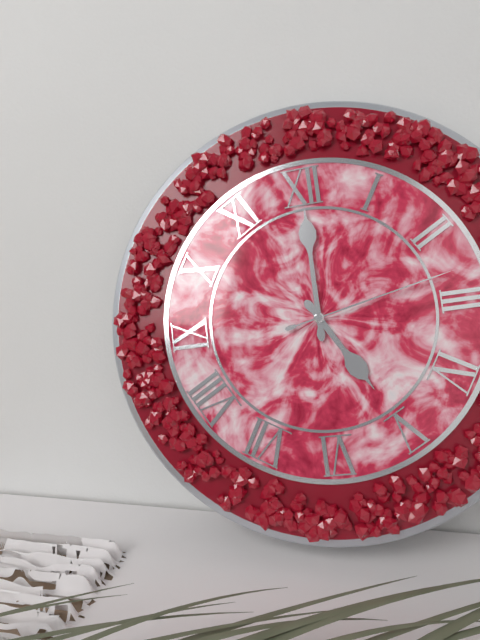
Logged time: 5 h 00 min 13 s
